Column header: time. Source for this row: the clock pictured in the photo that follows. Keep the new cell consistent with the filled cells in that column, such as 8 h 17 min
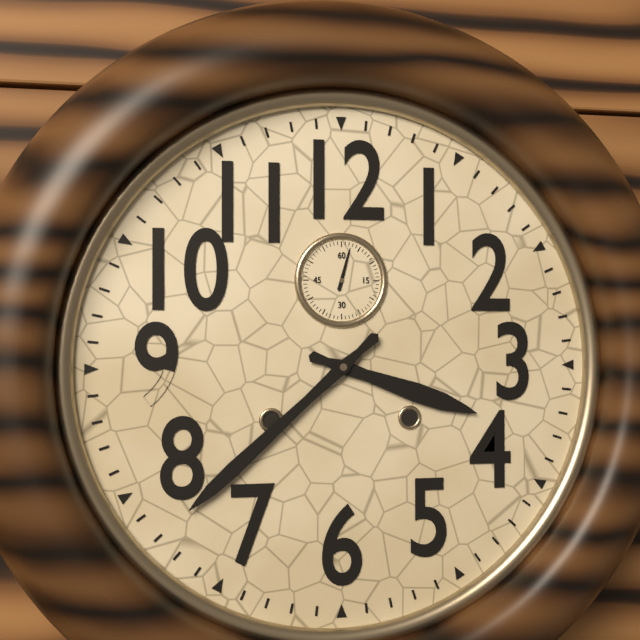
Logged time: 3 h 38 min
